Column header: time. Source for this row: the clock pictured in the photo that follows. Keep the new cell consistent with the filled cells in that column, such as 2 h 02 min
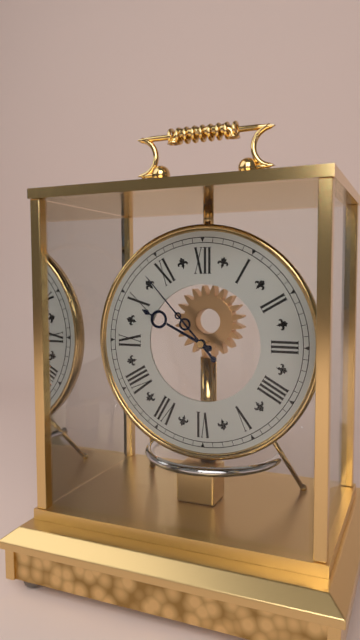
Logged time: 9 h 53 min
